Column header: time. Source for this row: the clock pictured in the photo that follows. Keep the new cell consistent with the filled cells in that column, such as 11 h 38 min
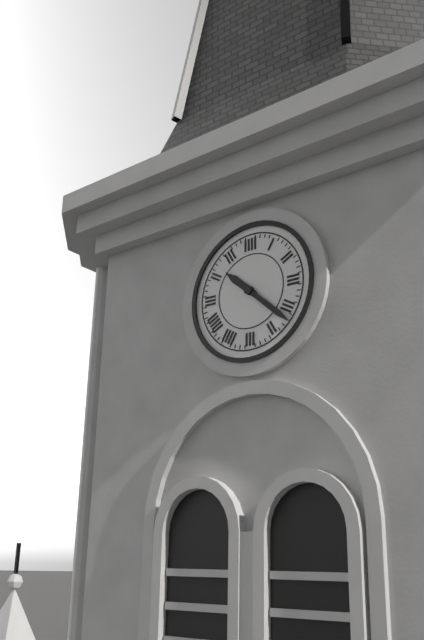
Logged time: 10 h 22 min
